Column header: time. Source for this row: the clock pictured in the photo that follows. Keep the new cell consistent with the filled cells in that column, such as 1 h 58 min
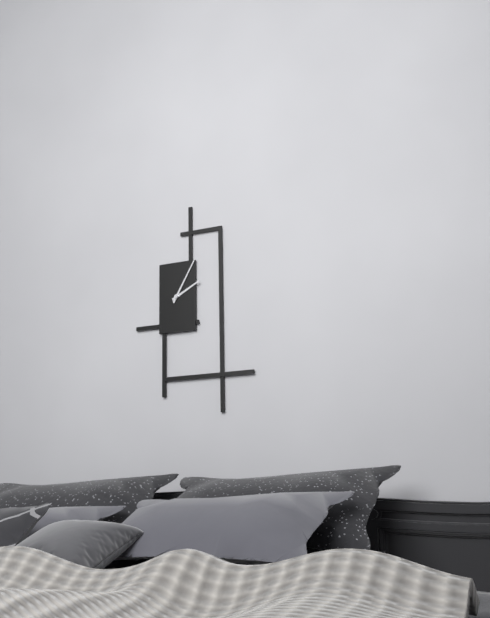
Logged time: 2 h 05 min
